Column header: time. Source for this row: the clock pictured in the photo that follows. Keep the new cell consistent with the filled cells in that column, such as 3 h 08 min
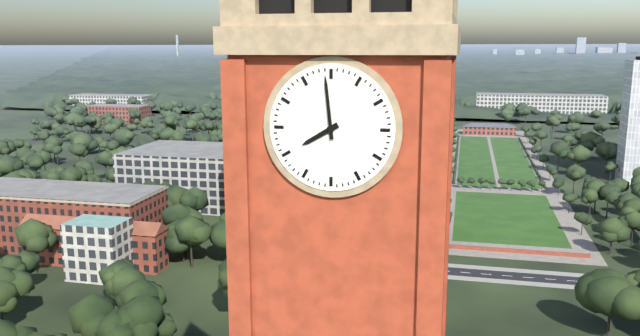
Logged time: 7 h 59 min
